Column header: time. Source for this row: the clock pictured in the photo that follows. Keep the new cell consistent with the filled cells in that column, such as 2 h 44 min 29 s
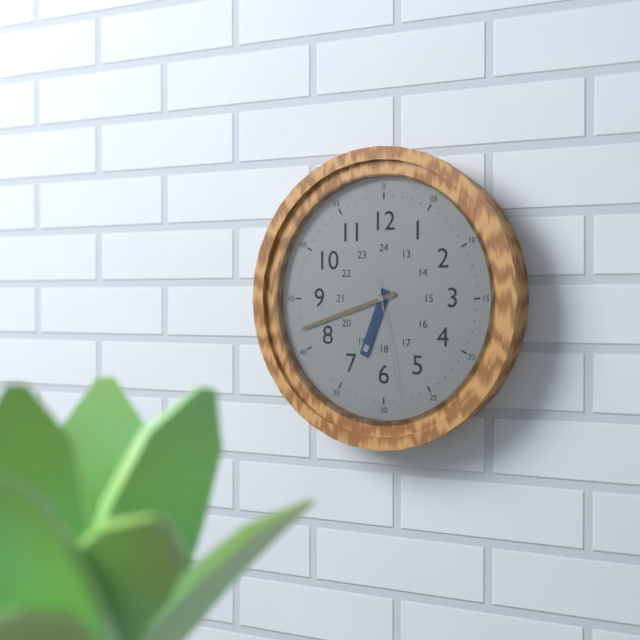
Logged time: 6 h 42 min 28 s
